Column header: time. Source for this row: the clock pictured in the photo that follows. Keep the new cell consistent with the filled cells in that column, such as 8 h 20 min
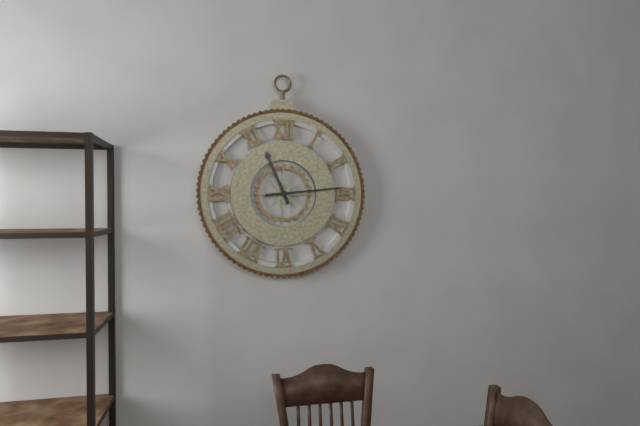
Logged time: 11 h 14 min
